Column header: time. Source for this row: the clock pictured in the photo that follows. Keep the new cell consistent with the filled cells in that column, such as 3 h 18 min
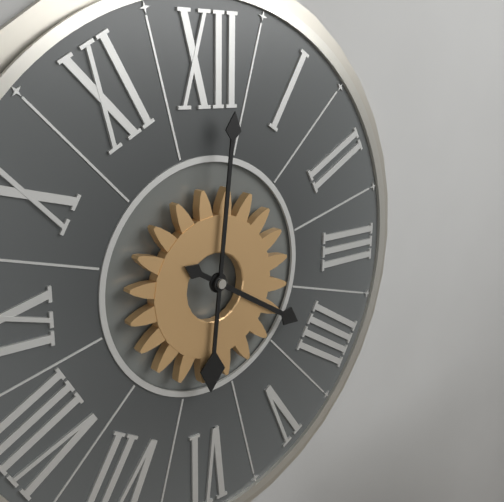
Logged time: 4 h 01 min
